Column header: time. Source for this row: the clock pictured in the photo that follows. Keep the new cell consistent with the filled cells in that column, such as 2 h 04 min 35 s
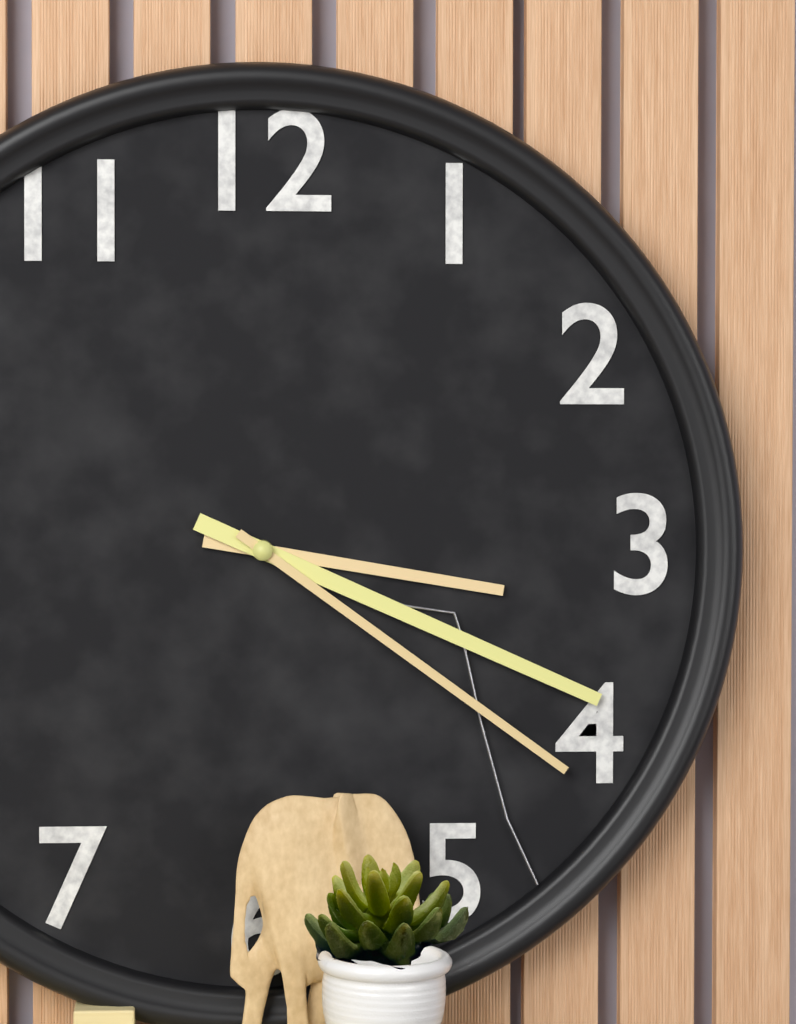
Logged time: 3 h 19 min 21 s
